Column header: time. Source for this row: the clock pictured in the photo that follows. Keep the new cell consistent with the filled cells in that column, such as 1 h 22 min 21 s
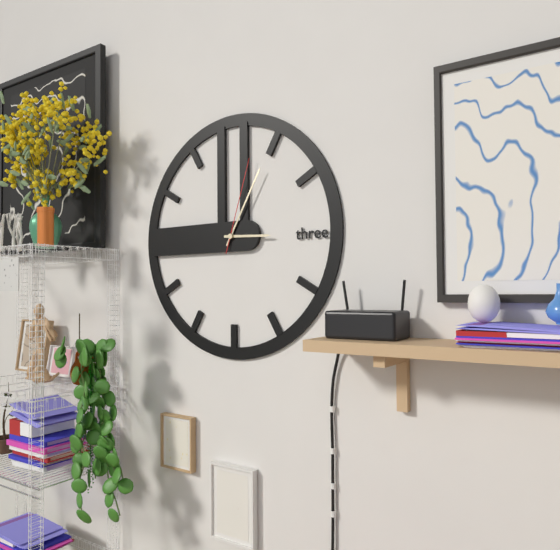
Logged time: 3 h 05 min 03 s
